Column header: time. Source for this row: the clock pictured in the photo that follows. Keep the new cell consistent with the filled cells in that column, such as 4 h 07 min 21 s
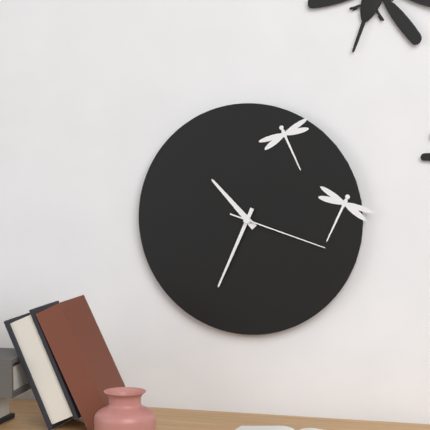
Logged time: 10 h 34 min 18 s
